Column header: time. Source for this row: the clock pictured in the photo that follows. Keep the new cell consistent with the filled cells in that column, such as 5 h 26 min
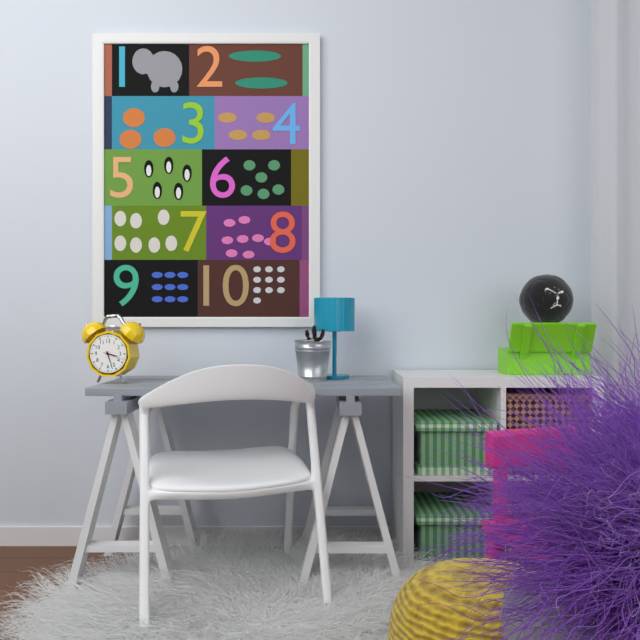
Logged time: 3 h 27 min
